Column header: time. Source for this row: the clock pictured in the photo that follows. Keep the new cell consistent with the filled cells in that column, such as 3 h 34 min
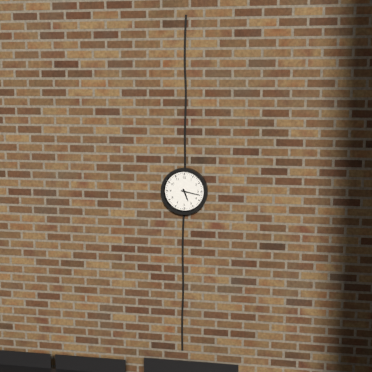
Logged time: 5 h 17 min
